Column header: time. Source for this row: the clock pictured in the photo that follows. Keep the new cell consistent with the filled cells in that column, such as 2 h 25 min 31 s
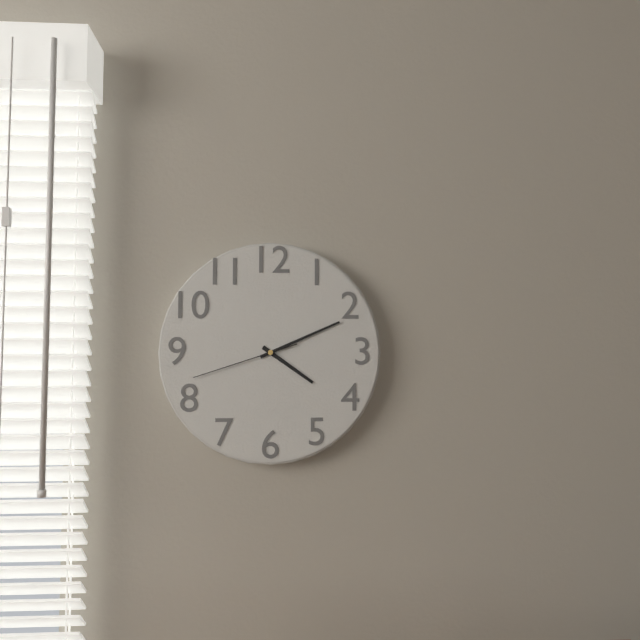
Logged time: 4 h 11 min 42 s
